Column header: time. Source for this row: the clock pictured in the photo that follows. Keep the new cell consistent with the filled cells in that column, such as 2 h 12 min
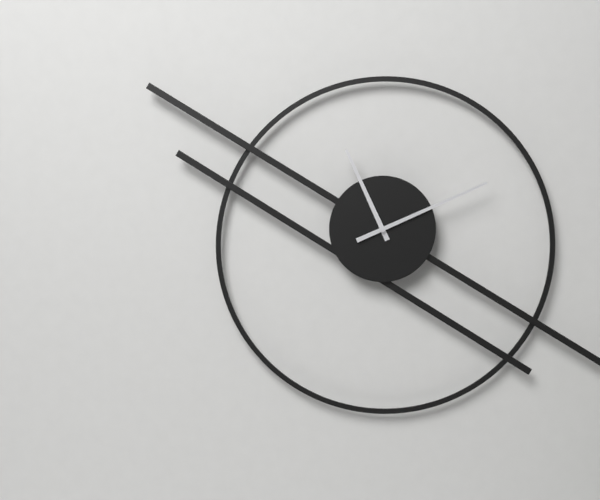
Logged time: 11 h 11 min
